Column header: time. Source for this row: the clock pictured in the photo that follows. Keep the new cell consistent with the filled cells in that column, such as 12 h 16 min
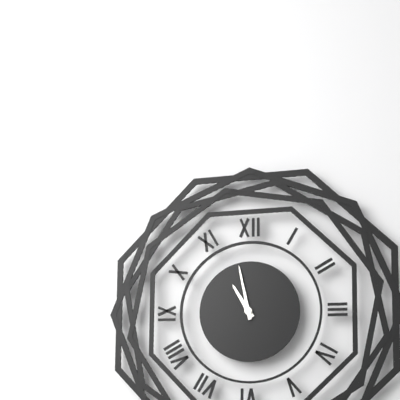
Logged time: 10 h 58 min
